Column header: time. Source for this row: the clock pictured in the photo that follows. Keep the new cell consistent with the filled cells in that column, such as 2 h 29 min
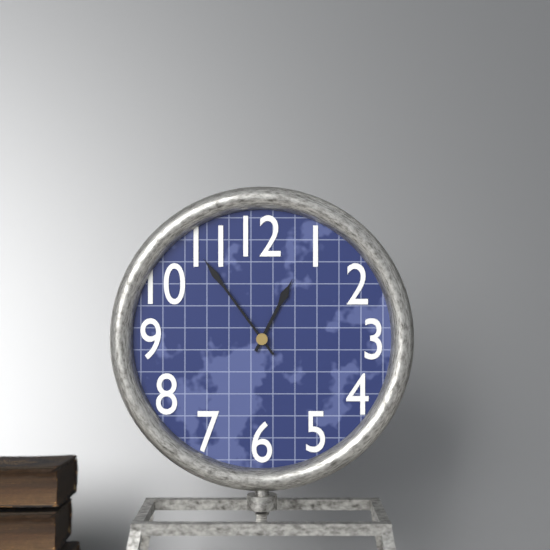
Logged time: 12 h 54 min
